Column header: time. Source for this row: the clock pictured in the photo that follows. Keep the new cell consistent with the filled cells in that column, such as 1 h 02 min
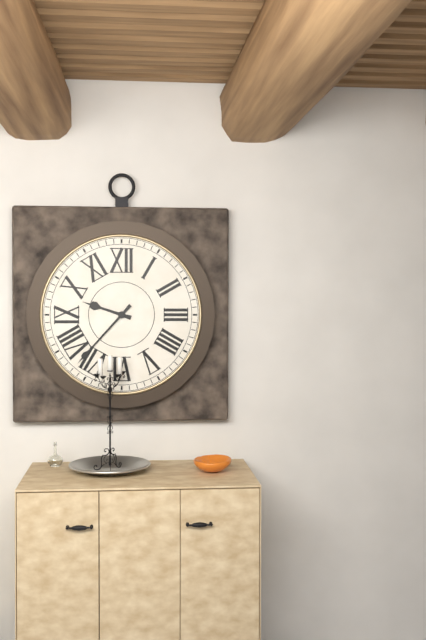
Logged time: 9 h 37 min
